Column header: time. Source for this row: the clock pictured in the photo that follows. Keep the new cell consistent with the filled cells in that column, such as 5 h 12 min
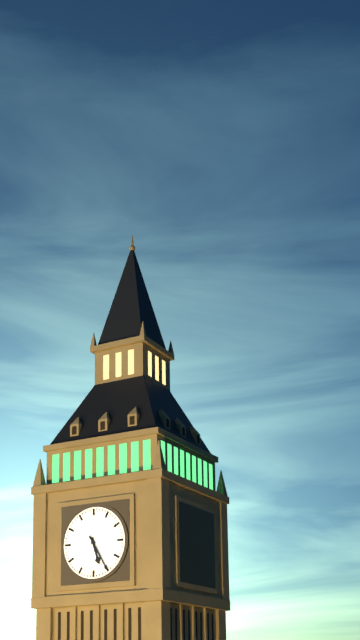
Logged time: 5 h 25 min
